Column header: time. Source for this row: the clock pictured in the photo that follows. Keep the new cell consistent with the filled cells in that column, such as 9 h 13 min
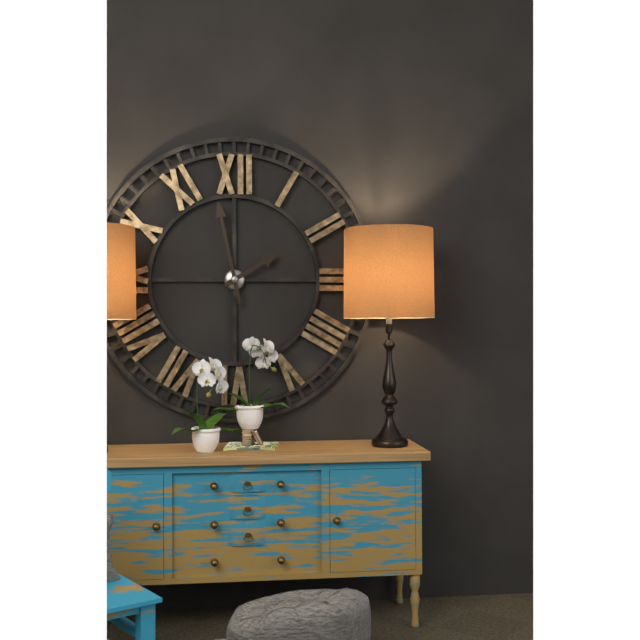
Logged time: 1 h 58 min
